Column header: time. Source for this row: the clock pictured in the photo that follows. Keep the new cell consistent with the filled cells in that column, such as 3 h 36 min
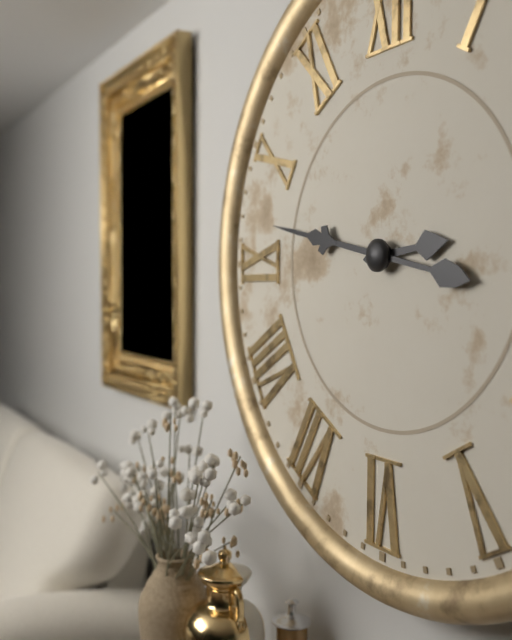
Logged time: 2 h 47 min
